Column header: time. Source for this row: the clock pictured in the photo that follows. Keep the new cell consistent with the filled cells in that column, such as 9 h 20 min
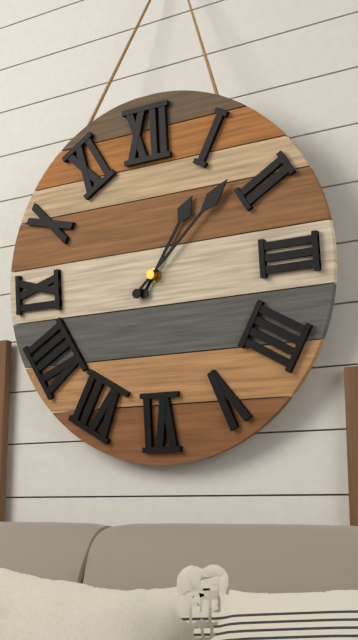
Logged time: 1 h 08 min
